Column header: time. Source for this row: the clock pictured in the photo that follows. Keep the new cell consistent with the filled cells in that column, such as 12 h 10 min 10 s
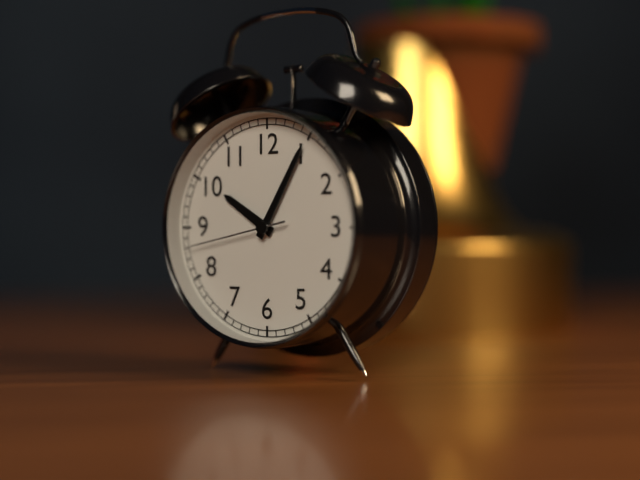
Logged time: 10 h 05 min 43 s
